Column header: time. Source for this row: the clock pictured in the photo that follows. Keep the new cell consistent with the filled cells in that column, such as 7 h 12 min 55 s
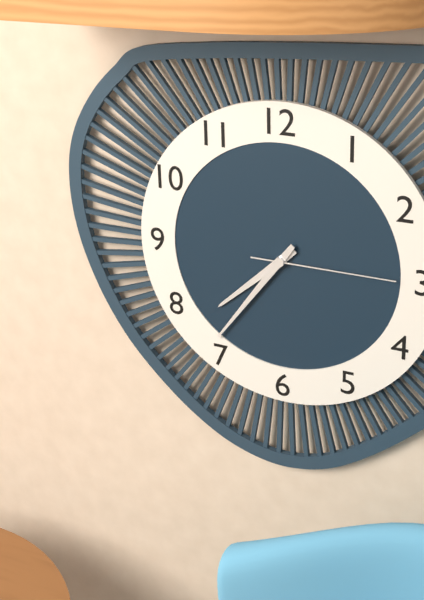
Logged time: 7 h 36 min 15 s
